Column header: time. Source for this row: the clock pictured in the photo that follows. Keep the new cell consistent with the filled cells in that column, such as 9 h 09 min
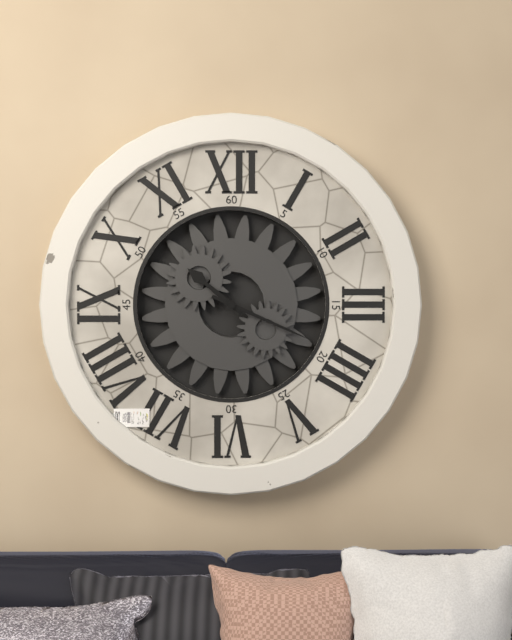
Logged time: 10 h 19 min
